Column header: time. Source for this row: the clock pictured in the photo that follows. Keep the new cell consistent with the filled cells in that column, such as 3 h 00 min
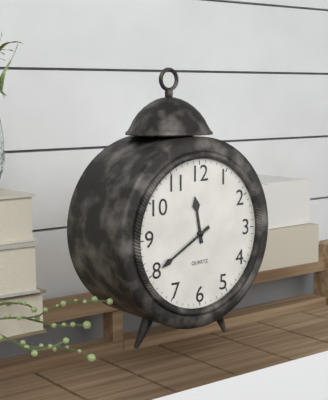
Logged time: 11 h 40 min
